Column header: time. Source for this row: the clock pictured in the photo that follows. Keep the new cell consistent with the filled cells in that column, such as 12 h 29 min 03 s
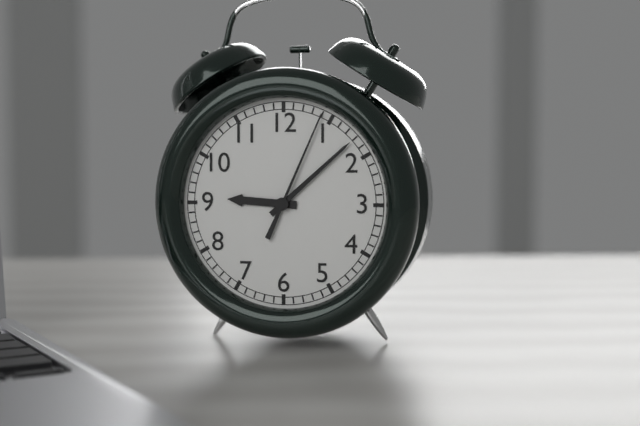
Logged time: 9 h 08 min 04 s
